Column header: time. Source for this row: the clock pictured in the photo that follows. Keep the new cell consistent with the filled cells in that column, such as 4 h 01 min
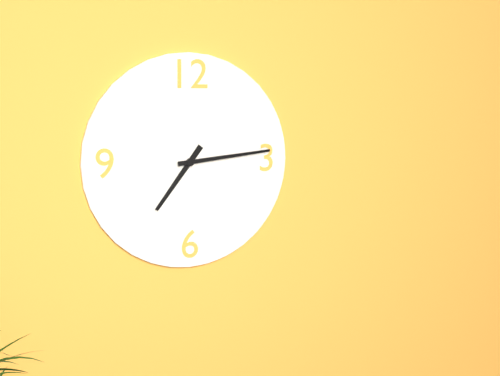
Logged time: 7 h 14 min
